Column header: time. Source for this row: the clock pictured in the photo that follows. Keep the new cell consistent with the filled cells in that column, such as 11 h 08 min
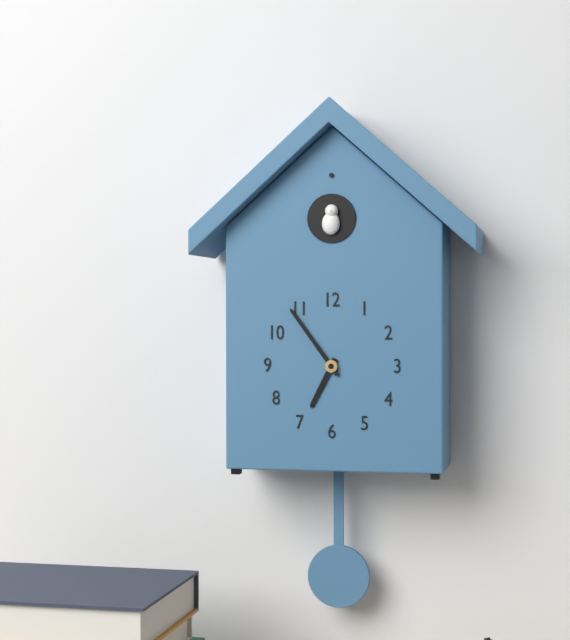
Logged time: 6 h 54 min
